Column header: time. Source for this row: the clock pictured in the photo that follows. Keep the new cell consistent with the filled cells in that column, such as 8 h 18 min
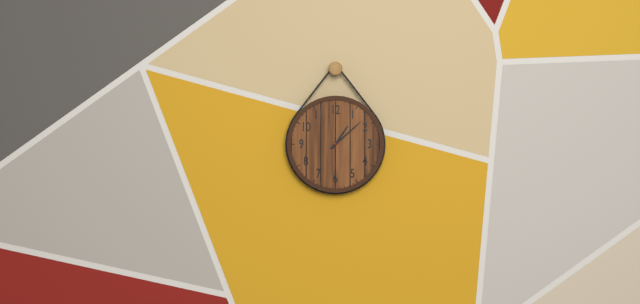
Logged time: 1 h 08 min
